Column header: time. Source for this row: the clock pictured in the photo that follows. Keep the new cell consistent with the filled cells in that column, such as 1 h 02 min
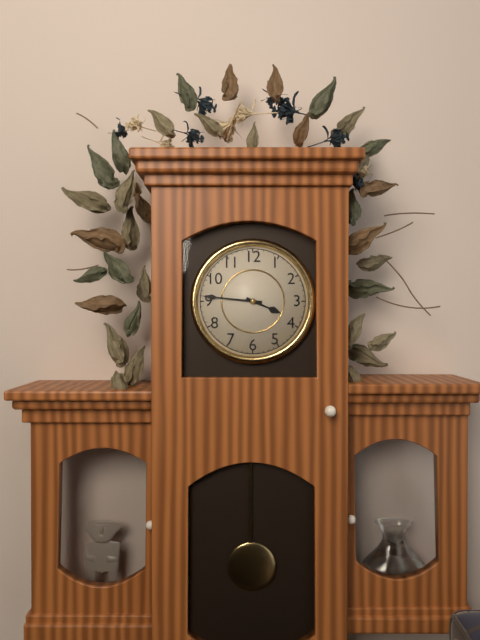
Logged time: 3 h 46 min
